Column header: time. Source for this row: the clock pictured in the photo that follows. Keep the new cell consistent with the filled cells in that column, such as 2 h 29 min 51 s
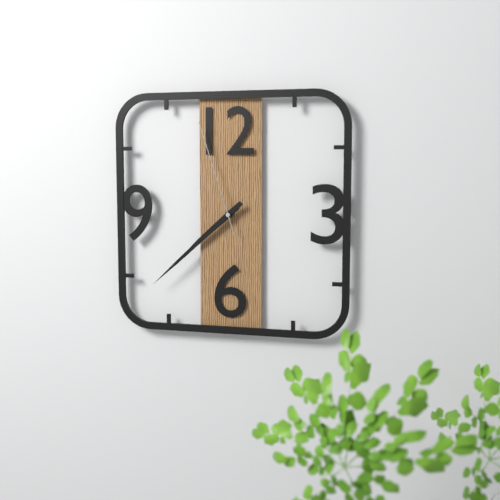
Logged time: 7 h 38 min 57 s
